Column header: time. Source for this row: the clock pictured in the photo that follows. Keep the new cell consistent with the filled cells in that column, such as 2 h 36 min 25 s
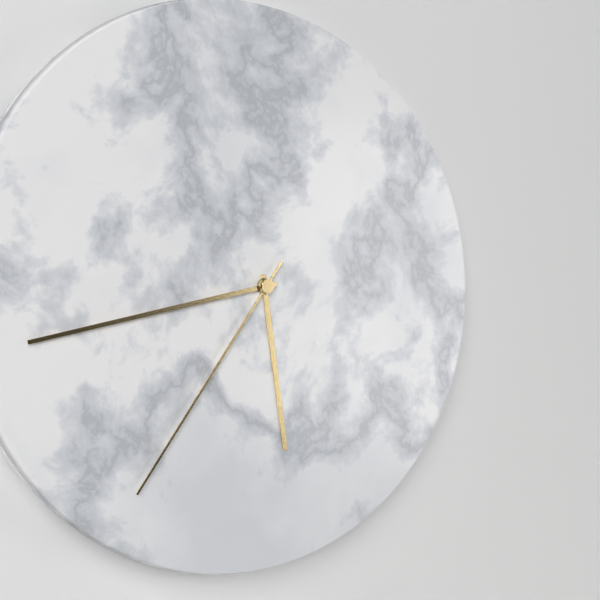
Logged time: 5 h 43 min 36 s
